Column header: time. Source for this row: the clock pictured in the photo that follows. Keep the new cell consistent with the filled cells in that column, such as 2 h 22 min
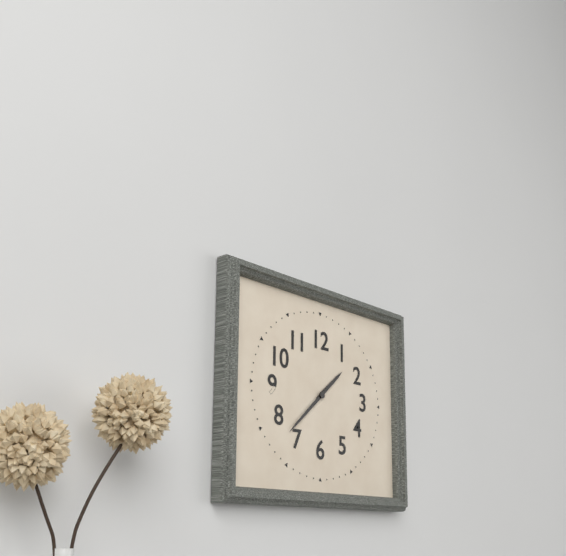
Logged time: 1 h 38 min
